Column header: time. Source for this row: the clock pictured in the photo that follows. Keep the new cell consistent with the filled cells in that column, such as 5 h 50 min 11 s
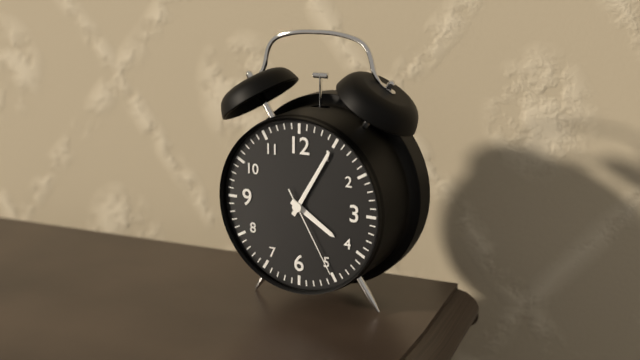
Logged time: 4 h 05 min 25 s
